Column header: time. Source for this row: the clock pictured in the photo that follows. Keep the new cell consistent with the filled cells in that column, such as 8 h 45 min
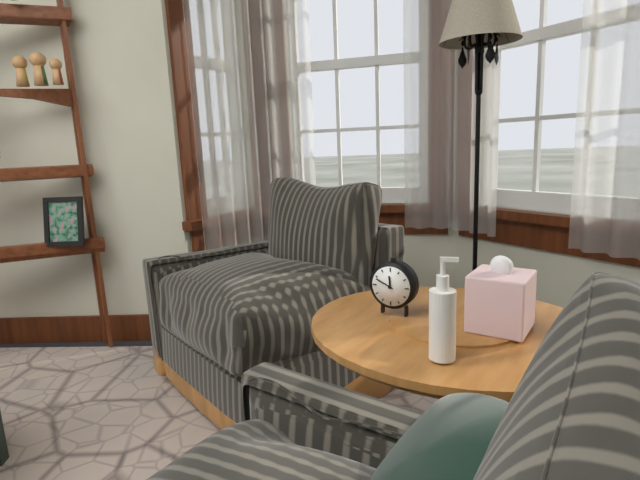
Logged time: 11 h 49 min
